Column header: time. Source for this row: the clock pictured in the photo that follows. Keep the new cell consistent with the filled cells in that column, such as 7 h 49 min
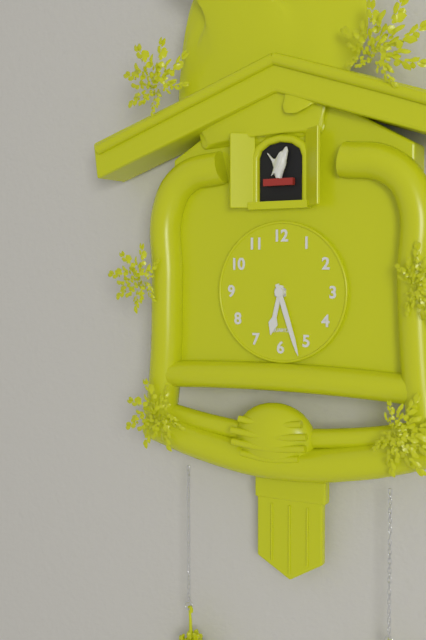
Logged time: 6 h 27 min
